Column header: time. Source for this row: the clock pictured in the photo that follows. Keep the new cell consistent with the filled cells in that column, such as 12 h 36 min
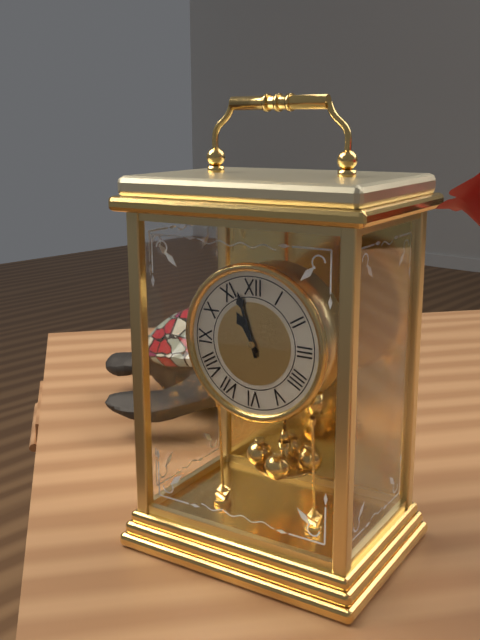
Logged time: 10 h 57 min
